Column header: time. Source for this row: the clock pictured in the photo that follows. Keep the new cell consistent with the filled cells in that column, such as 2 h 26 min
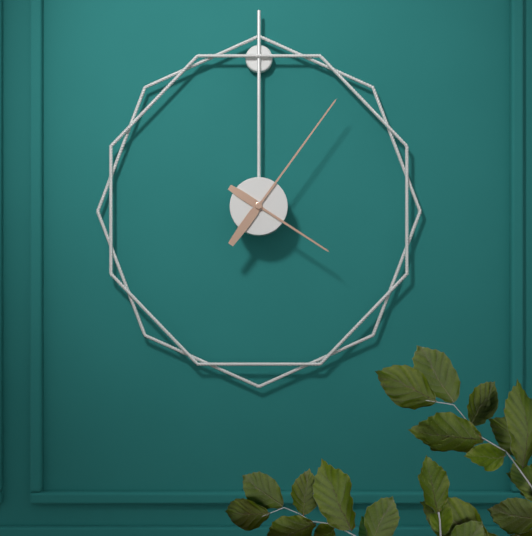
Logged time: 4 h 06 min
